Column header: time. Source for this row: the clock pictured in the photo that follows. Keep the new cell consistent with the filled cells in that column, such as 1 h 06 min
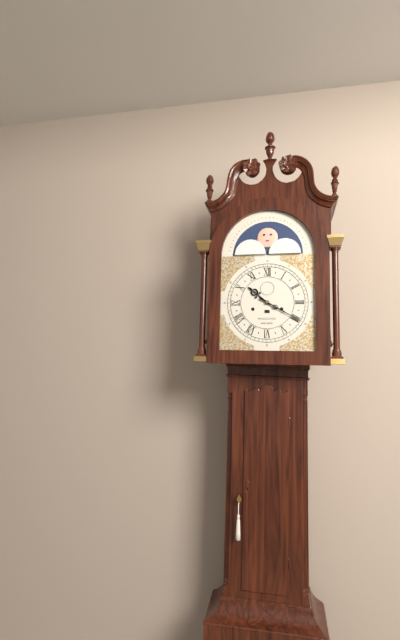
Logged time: 10 h 20 min
